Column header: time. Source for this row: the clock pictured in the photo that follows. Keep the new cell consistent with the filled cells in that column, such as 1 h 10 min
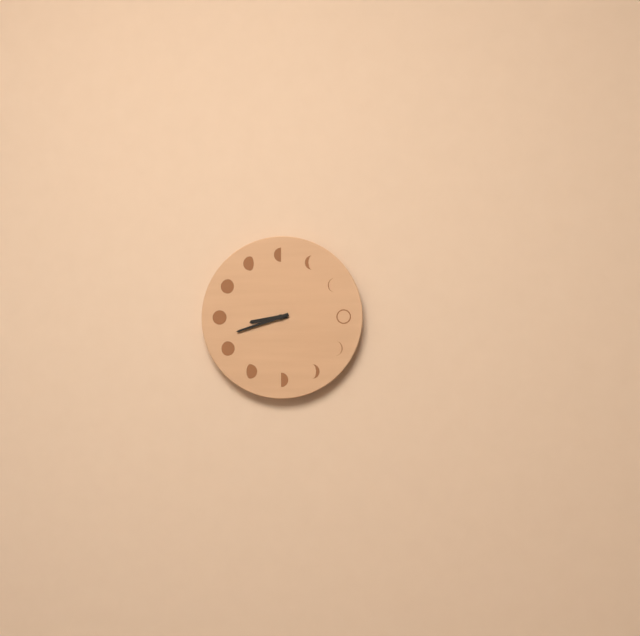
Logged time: 8 h 42 min
